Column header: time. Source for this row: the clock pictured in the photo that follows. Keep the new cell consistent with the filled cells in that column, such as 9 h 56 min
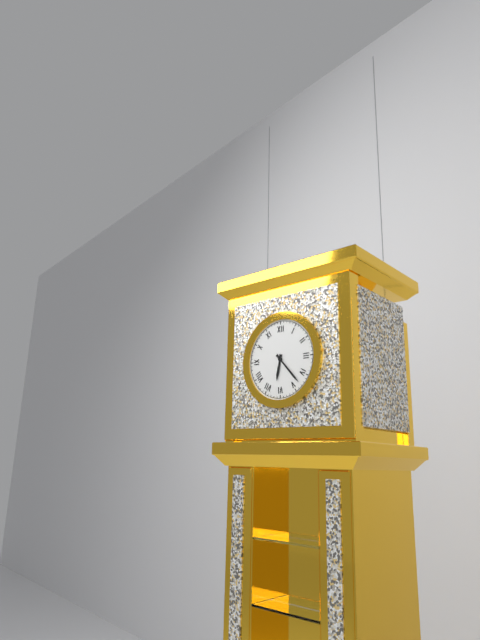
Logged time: 6 h 23 min
